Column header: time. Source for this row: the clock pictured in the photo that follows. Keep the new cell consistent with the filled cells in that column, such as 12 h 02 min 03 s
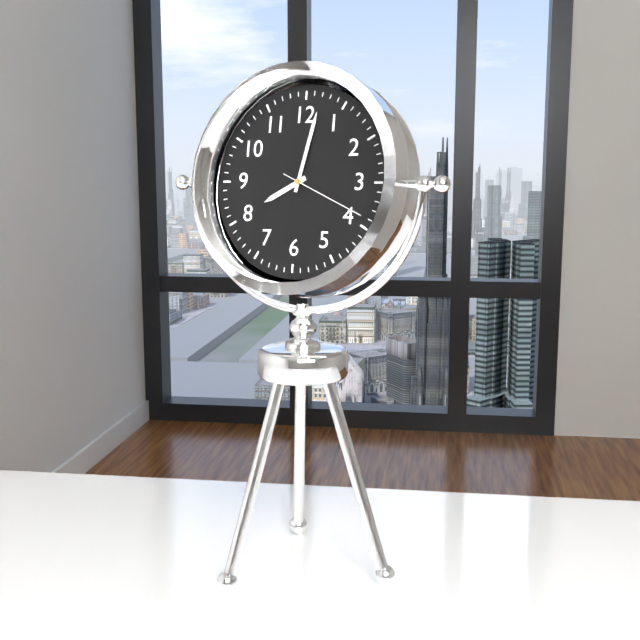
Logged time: 8 h 02 min 19 s
